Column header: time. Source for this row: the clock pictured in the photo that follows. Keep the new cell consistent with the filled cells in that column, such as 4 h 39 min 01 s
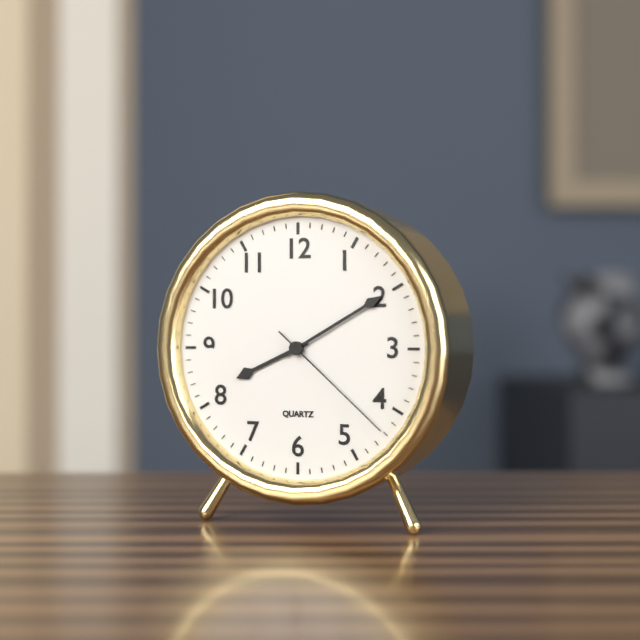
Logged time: 8 h 10 min 22 s
